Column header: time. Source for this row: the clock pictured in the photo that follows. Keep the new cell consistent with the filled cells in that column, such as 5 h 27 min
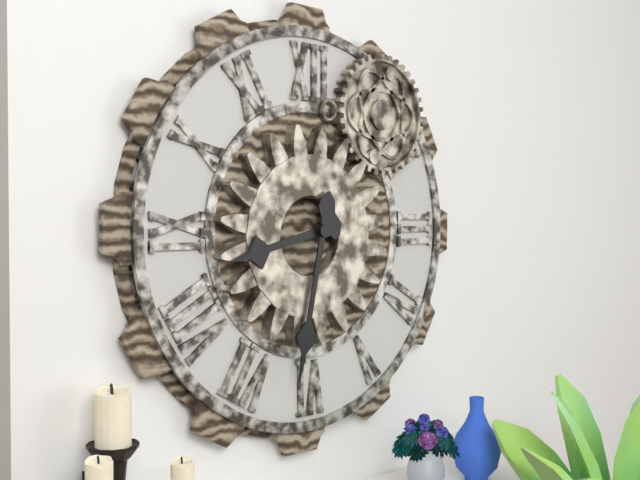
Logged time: 8 h 32 min
